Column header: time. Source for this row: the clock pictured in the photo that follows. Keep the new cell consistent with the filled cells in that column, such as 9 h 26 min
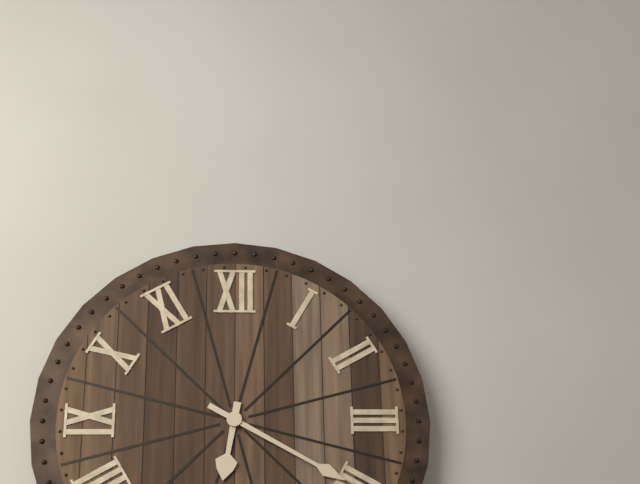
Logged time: 6 h 20 min
